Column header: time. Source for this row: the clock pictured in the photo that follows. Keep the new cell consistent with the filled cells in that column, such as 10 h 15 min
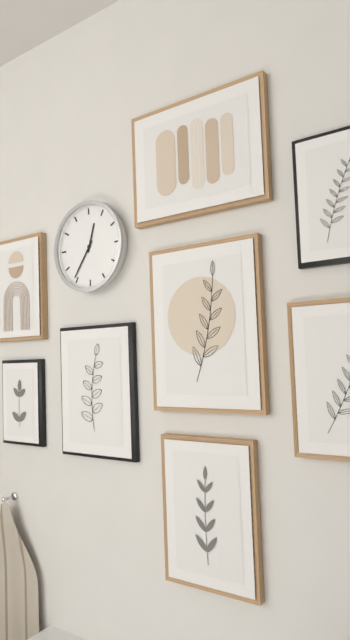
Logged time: 12 h 36 min
